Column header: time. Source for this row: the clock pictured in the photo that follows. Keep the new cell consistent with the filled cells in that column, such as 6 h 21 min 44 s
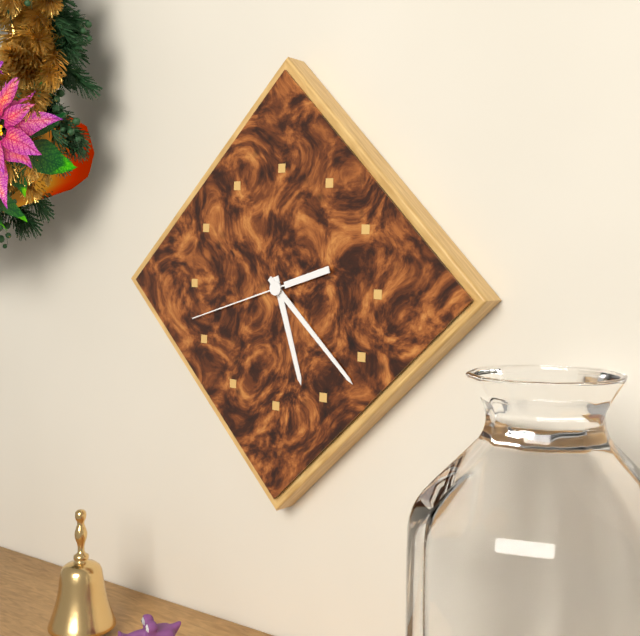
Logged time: 5 h 22 min 42 s
